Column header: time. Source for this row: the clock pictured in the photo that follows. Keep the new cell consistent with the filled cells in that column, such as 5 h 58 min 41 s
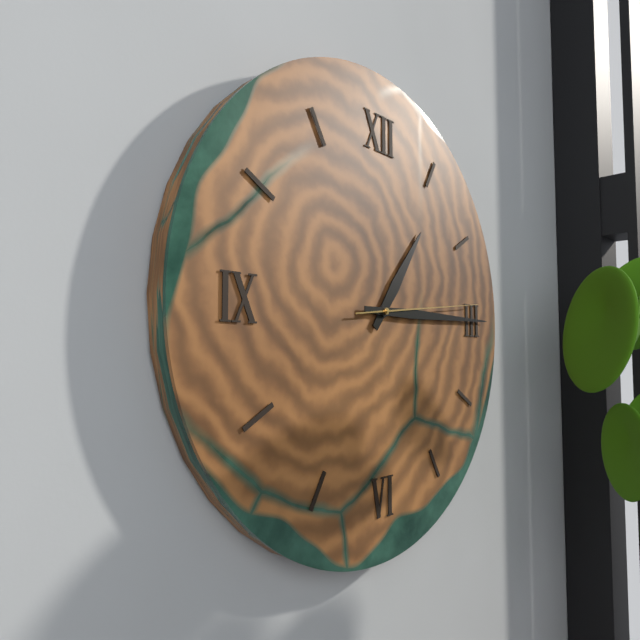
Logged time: 1 h 15 min 14 s
